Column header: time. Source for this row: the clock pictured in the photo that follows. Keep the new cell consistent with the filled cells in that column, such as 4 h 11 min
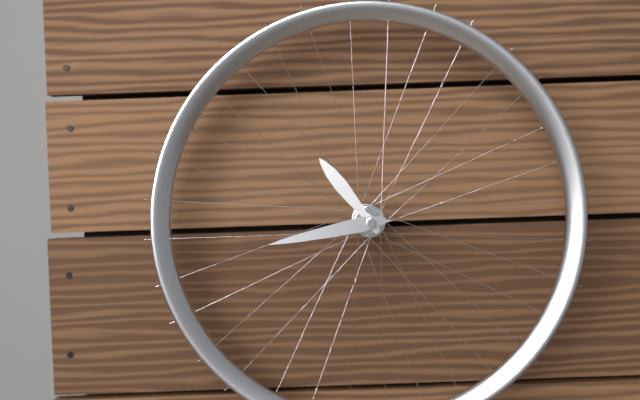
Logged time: 10 h 43 min
